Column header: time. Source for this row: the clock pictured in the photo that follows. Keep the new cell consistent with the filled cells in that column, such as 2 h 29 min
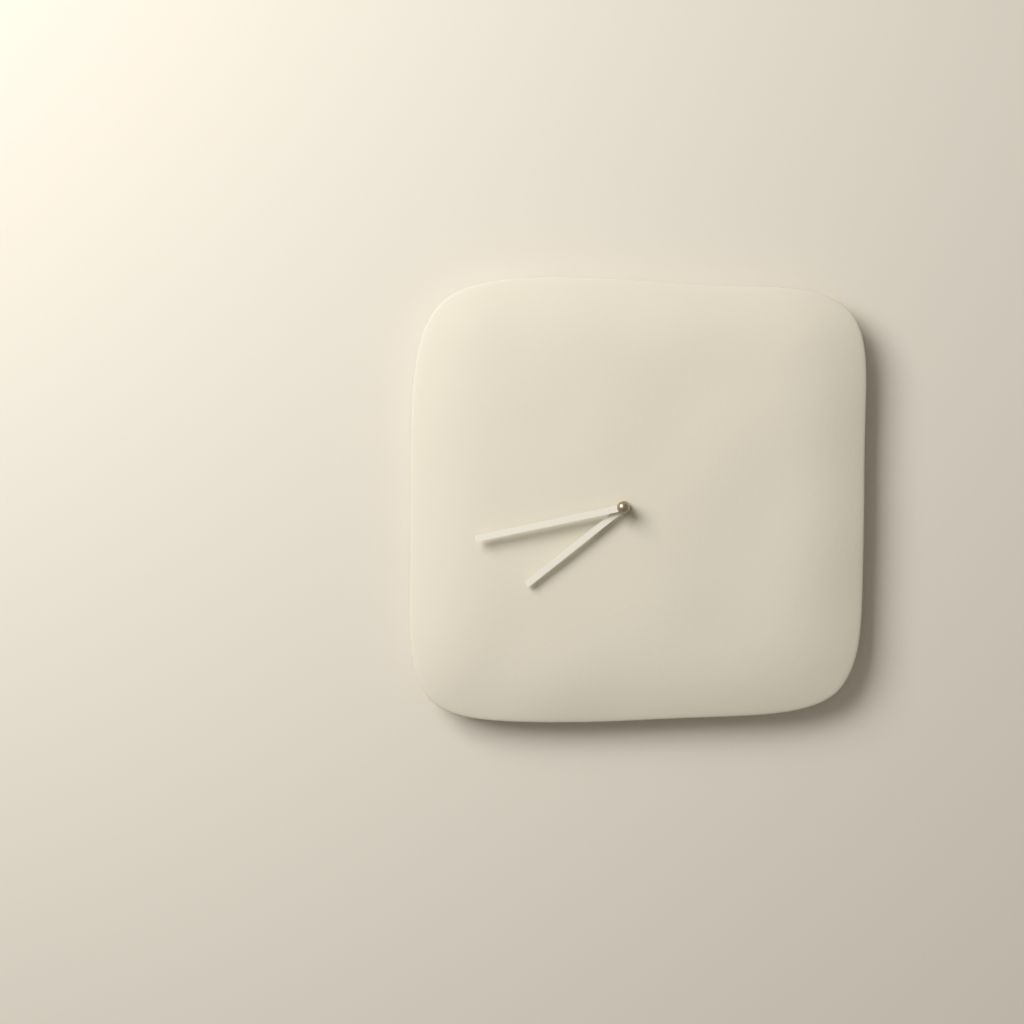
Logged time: 7 h 43 min
